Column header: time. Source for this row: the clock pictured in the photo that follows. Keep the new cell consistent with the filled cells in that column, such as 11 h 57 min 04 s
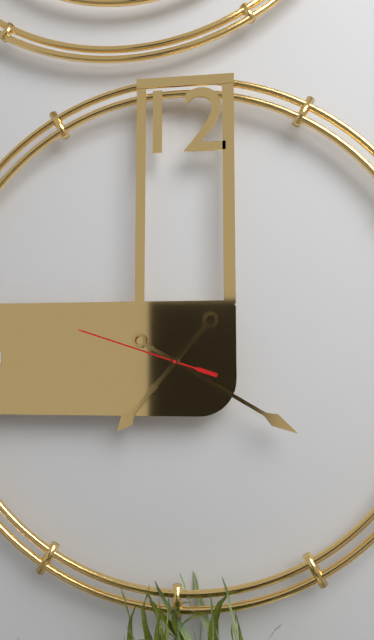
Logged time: 7 h 20 min 48 s
